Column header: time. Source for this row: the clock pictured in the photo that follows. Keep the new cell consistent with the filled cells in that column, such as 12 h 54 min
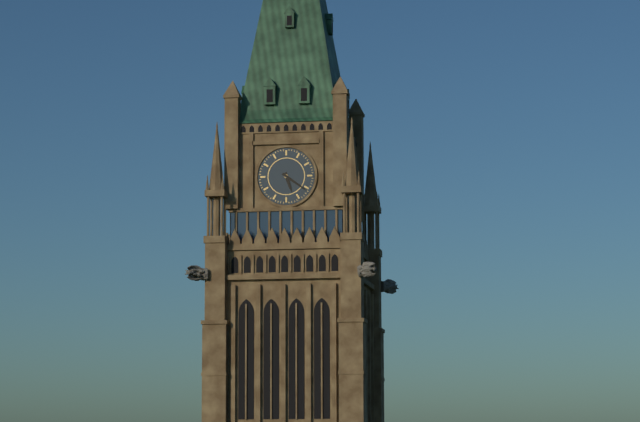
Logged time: 5 h 21 min
